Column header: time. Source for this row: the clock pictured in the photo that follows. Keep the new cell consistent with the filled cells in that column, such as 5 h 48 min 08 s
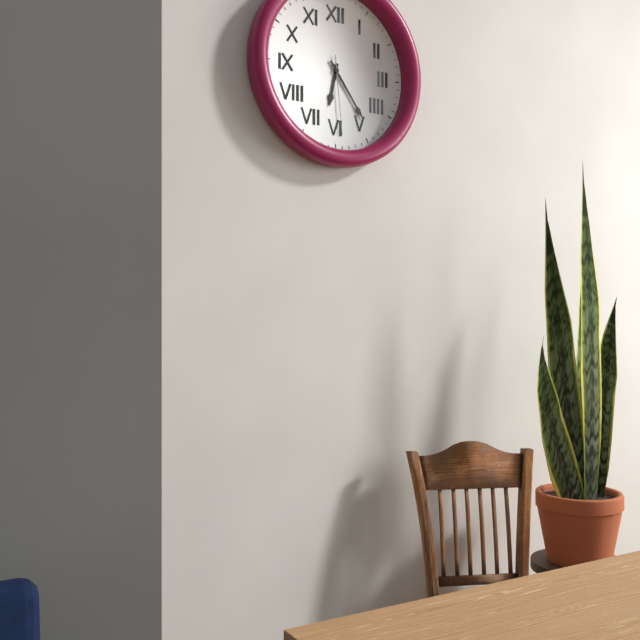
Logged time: 6 h 24 min 29 s
